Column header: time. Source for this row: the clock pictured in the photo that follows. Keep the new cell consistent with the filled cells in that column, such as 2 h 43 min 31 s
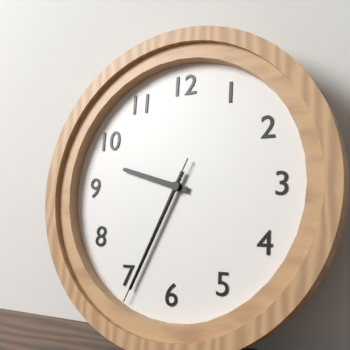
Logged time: 9 h 34 min 34 s
